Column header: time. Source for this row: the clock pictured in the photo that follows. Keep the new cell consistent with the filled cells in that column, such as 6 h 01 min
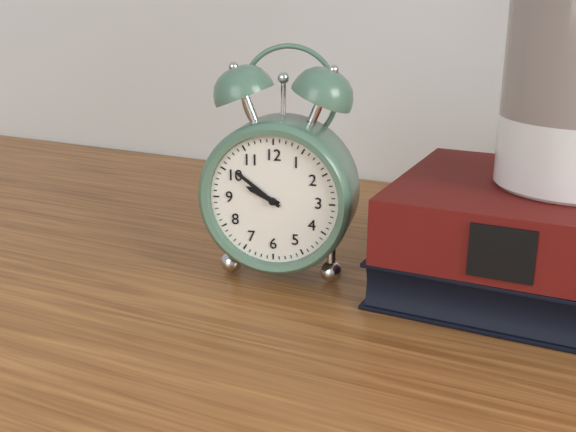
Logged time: 9 h 51 min
